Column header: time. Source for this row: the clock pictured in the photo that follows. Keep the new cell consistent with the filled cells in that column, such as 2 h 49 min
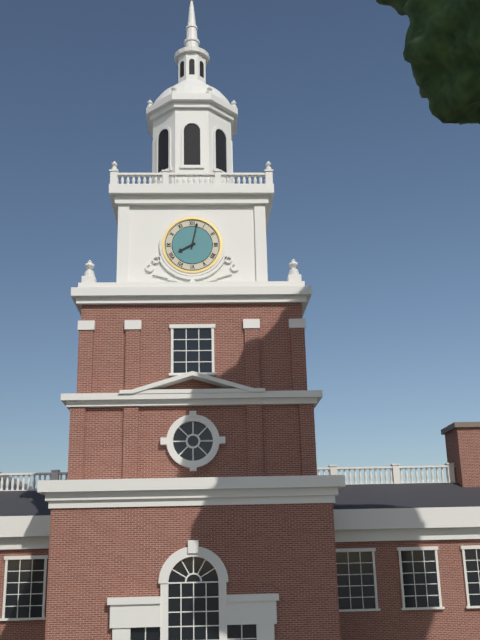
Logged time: 8 h 02 min
